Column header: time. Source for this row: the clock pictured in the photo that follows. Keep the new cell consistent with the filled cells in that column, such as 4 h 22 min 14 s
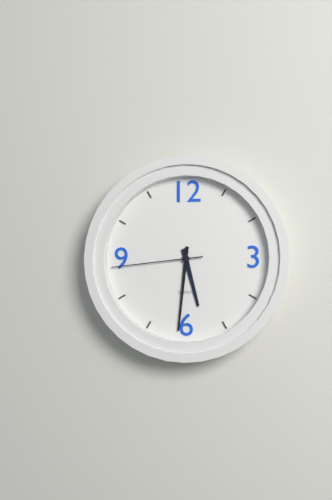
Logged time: 5 h 31 min 44 s
